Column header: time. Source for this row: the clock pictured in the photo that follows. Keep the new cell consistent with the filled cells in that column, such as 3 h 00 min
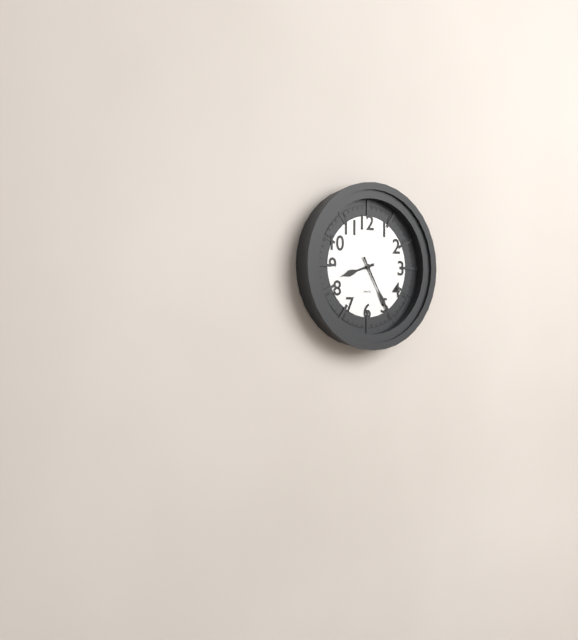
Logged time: 8 h 25 min
